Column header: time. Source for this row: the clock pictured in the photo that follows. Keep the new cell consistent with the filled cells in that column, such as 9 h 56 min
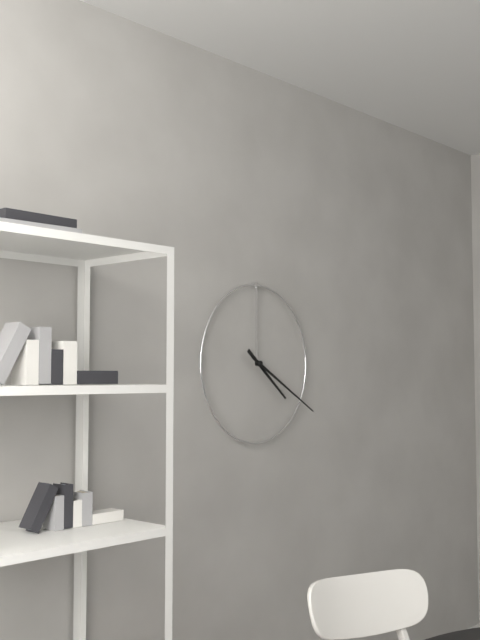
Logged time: 4 h 20 min
